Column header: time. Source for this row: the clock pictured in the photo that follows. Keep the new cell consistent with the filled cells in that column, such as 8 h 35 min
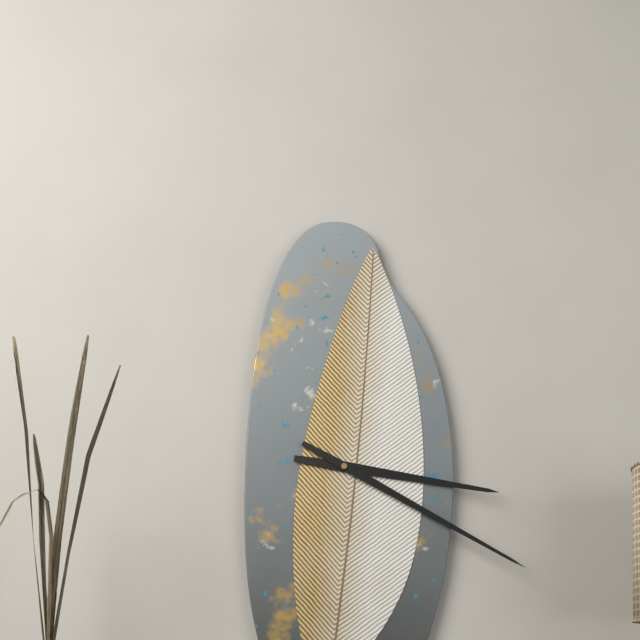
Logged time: 3 h 20 min
